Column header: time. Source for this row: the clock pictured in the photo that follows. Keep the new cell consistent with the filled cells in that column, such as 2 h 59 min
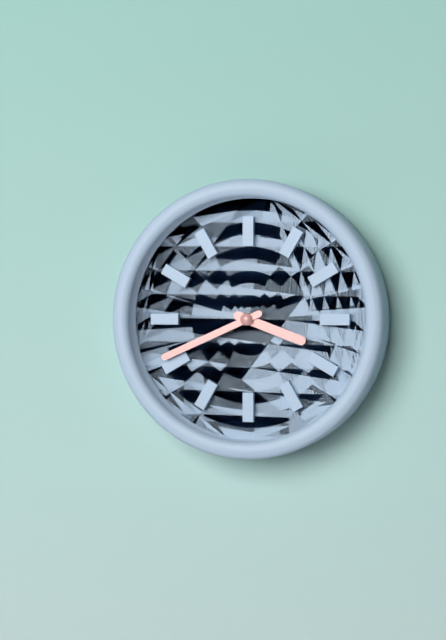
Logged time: 3 h 41 min
